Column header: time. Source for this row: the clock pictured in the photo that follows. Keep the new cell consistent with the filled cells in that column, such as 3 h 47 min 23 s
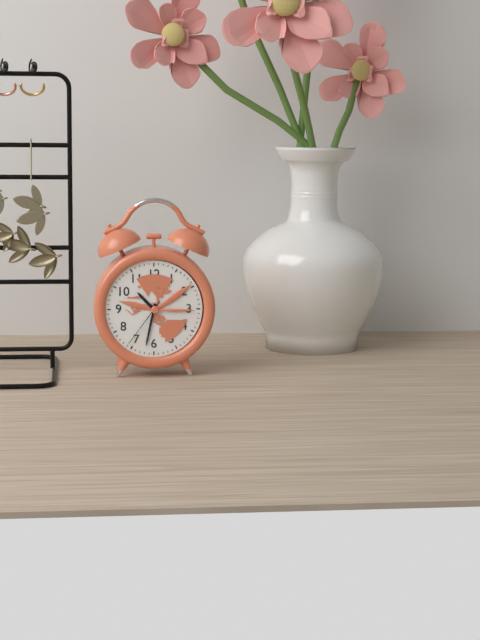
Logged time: 10 h 32 min 36 s
